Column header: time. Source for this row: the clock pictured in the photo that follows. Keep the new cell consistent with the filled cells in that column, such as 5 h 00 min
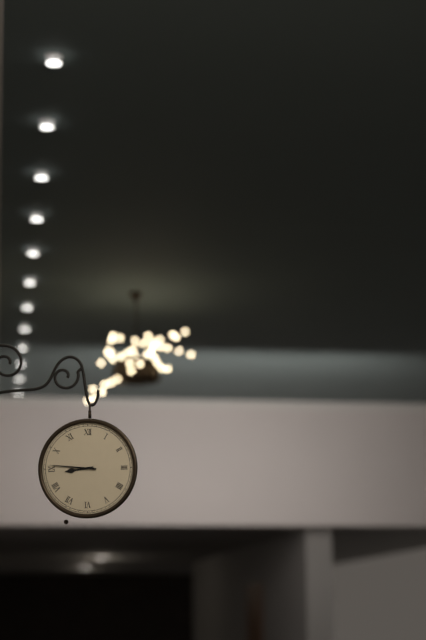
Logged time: 8 h 46 min
